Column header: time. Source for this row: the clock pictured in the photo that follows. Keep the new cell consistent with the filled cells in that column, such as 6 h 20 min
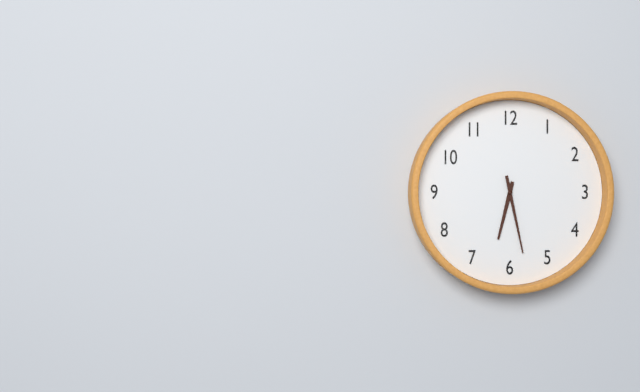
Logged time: 6 h 28 min
